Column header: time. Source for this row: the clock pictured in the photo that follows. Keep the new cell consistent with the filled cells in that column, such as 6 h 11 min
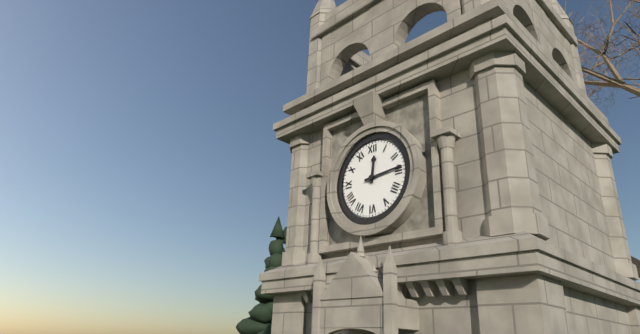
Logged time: 12 h 14 min
